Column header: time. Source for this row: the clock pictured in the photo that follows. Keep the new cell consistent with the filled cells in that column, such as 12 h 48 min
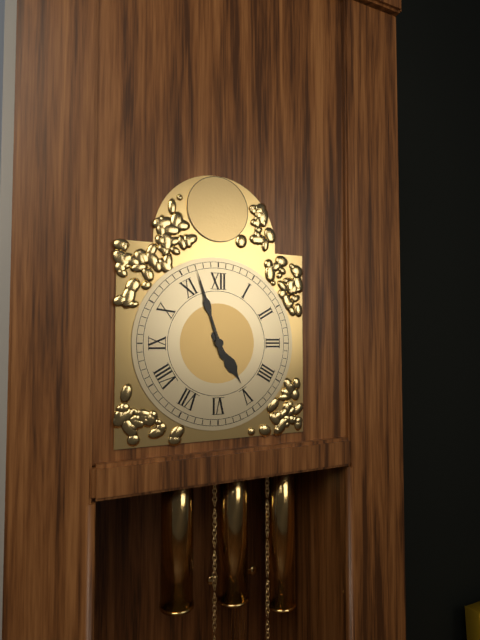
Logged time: 4 h 57 min
